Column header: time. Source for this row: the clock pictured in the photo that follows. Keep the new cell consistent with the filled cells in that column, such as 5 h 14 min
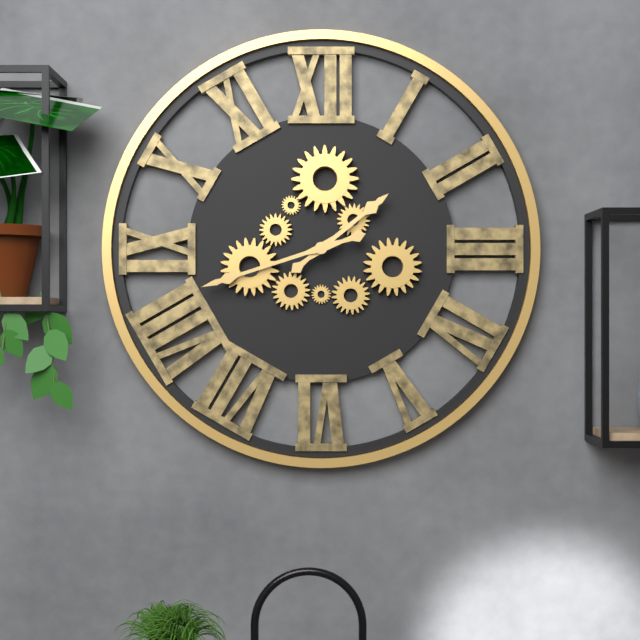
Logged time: 1 h 42 min
